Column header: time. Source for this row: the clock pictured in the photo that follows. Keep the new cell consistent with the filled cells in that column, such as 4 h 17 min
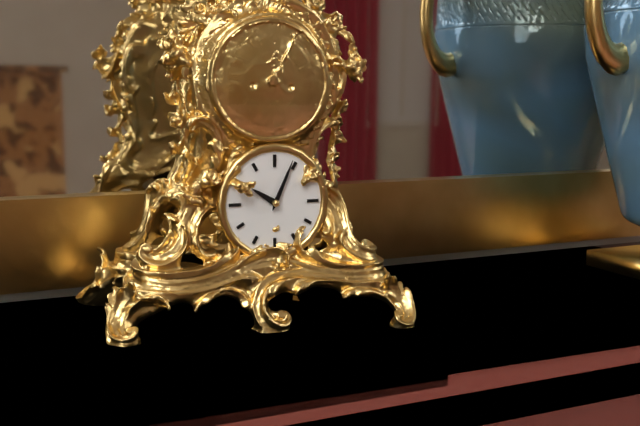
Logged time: 10 h 04 min
